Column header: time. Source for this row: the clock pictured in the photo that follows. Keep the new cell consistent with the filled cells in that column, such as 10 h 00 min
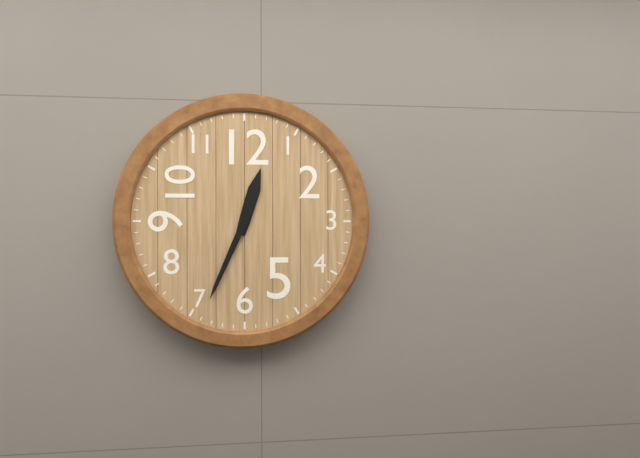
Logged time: 12 h 34 min
